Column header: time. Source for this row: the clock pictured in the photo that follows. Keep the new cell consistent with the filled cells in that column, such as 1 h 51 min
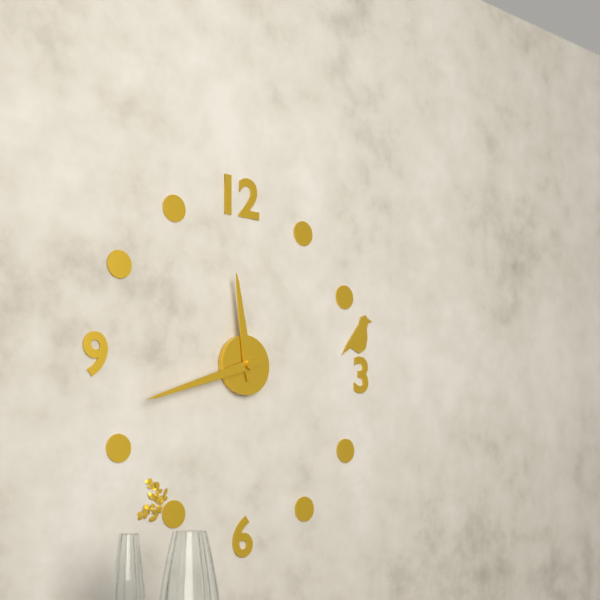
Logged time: 11 h 42 min
